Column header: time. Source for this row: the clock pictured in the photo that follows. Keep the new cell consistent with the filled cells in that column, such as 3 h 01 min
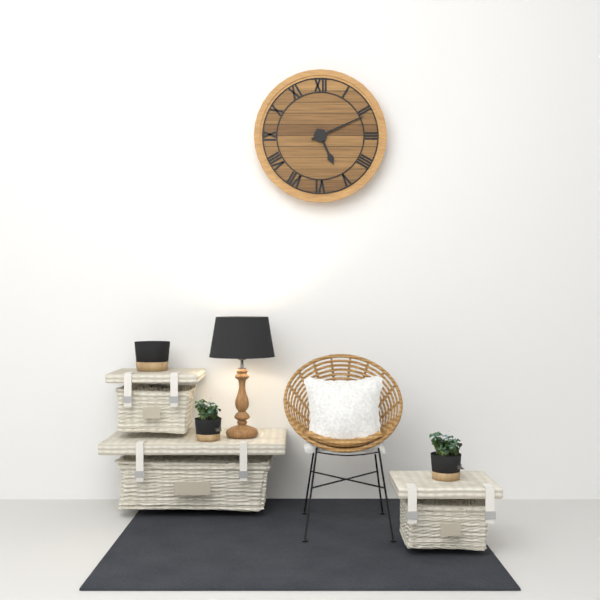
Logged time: 5 h 11 min
